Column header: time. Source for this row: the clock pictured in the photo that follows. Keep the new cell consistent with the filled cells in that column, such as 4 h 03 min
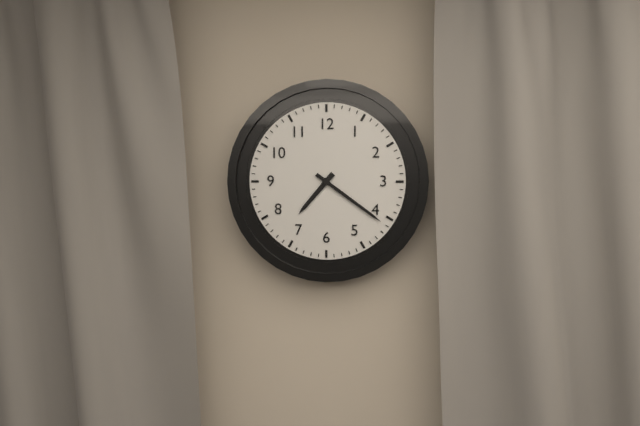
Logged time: 7 h 21 min
